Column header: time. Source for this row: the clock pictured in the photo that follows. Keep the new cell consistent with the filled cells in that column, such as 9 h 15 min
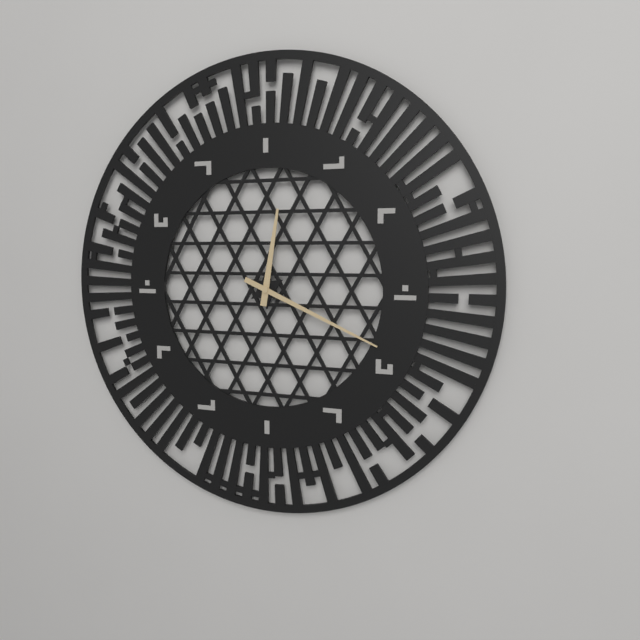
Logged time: 12 h 19 min
